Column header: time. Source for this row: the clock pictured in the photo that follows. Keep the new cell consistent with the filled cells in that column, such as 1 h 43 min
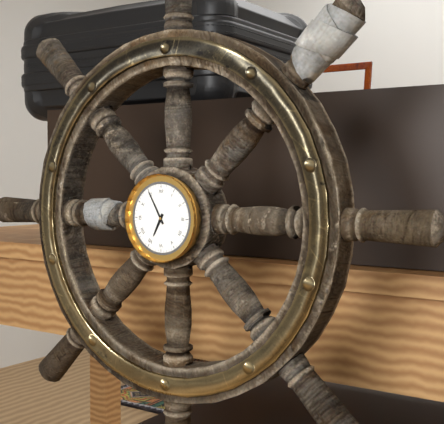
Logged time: 6 h 55 min
